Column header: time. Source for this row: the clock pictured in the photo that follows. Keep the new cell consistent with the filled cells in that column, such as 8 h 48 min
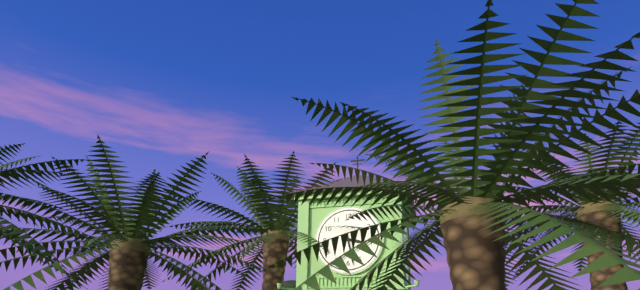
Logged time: 3 h 28 min
